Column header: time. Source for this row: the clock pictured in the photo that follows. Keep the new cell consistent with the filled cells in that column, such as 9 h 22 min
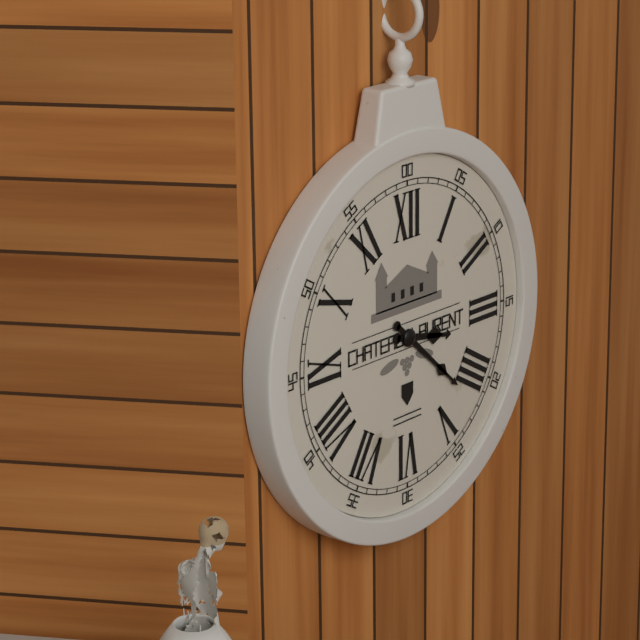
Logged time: 3 h 22 min
